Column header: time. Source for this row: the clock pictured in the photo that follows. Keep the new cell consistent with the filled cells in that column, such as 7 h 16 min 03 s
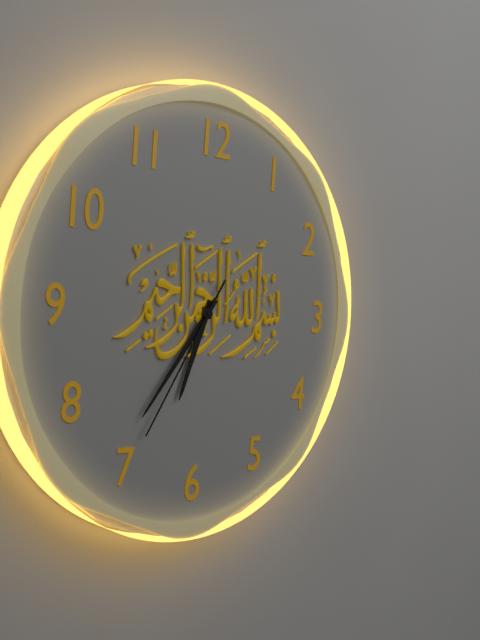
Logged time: 6 h 36 min 35 s
